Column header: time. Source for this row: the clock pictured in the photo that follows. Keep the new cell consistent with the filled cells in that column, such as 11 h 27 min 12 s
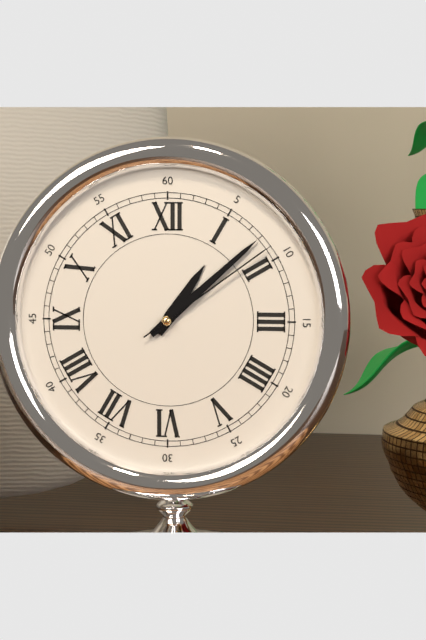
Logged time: 1 h 08 min 09 s
